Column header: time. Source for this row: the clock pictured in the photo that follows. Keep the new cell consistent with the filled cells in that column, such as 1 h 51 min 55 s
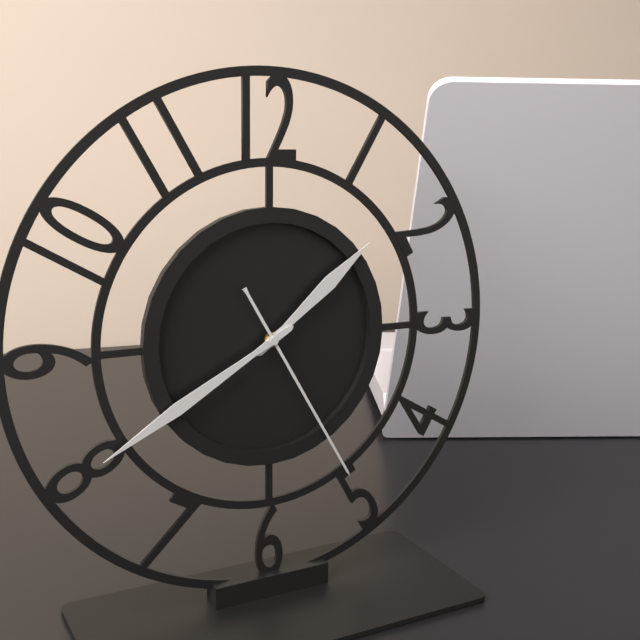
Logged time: 1 h 40 min 25 s
